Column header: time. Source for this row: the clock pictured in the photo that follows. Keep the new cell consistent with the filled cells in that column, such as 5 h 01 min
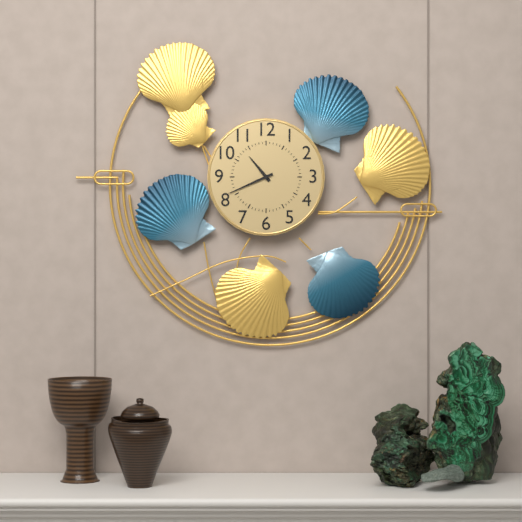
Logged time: 10 h 41 min
